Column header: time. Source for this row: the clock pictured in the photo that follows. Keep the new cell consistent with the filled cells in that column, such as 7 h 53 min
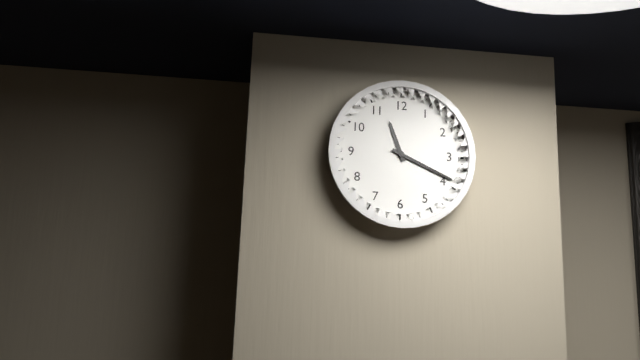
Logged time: 11 h 19 min
